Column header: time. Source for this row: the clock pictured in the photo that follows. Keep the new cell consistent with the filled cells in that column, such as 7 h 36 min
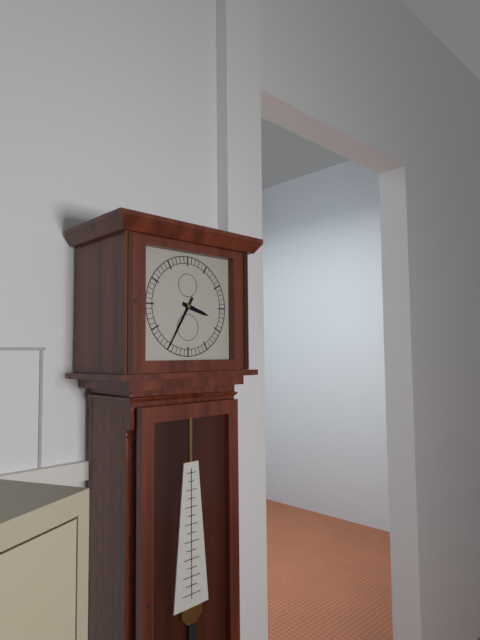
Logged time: 3 h 35 min
